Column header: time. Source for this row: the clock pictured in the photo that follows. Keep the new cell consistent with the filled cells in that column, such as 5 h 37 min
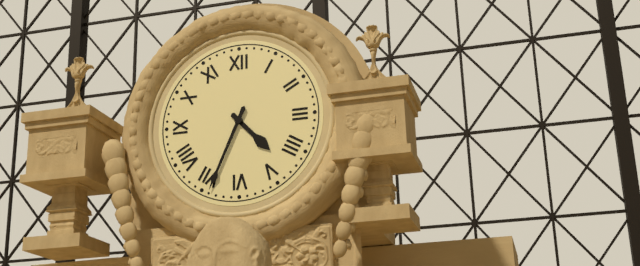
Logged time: 4 h 34 min
